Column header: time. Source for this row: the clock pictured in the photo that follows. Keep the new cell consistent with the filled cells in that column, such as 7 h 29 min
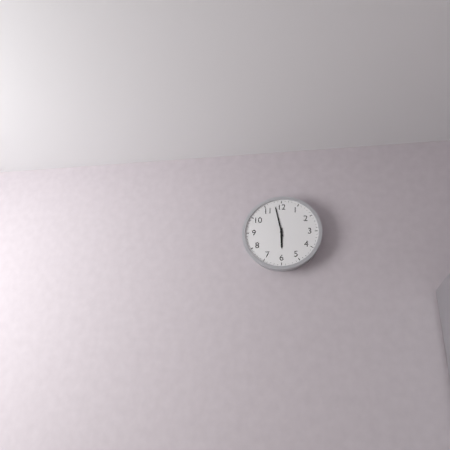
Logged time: 5 h 58 min
